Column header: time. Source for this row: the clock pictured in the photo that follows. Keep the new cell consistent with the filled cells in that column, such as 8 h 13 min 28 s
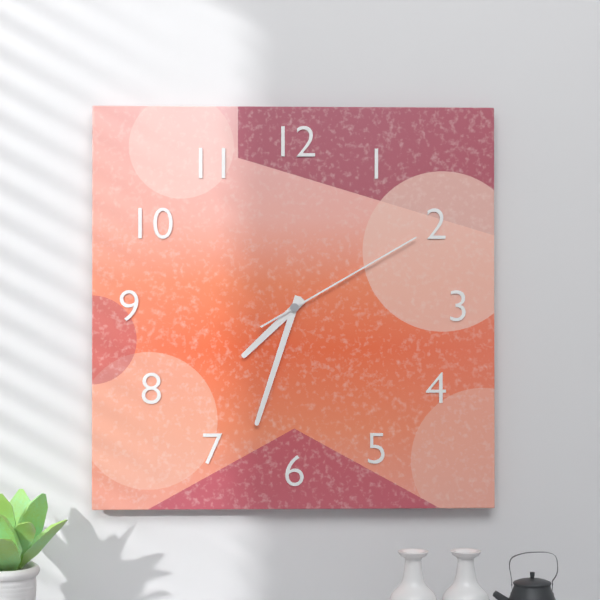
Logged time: 7 h 33 min 10 s
